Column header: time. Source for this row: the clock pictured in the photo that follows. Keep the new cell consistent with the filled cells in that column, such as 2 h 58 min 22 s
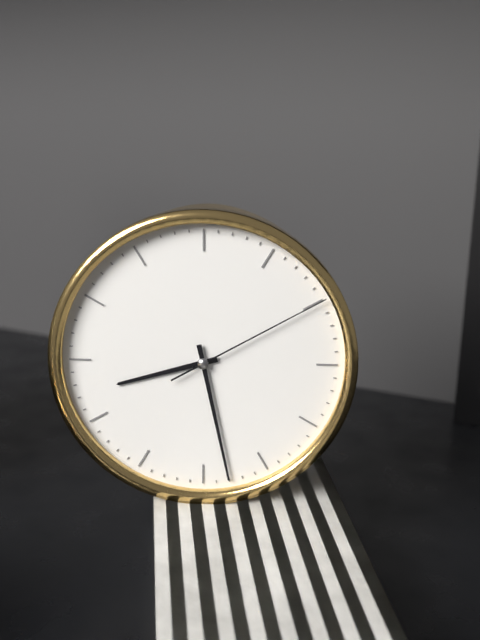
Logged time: 8 h 28 min 10 s
